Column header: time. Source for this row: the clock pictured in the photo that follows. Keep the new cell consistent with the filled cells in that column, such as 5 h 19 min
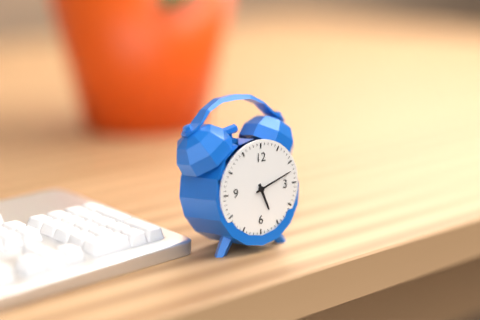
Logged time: 5 h 12 min
